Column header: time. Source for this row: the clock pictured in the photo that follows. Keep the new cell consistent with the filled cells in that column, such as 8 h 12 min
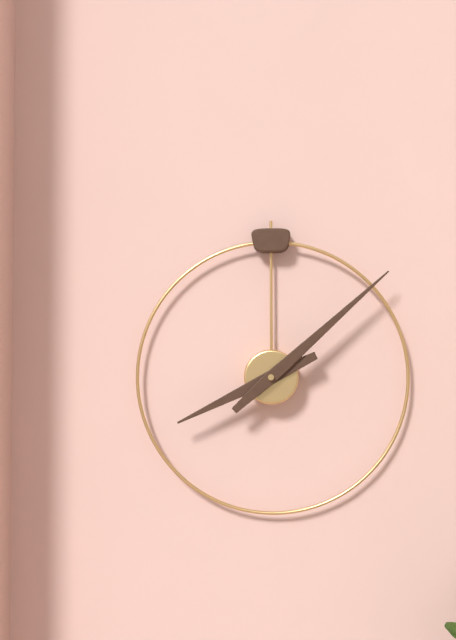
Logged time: 8 h 08 min
